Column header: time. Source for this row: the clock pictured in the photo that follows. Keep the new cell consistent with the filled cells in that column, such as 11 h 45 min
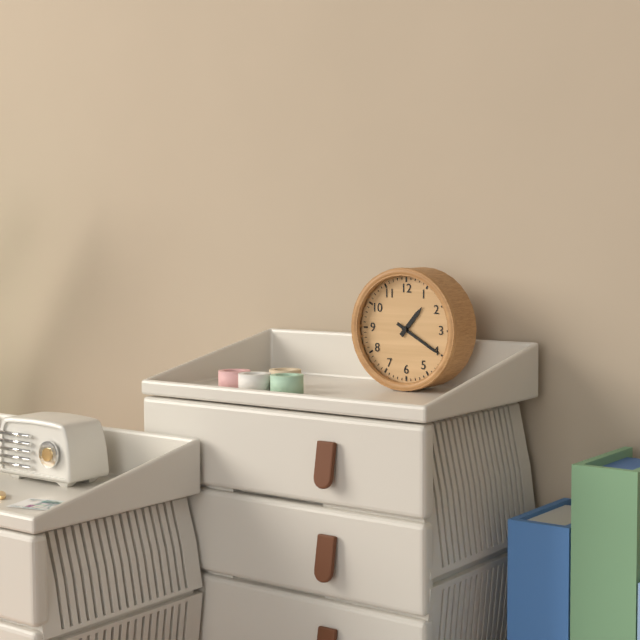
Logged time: 1 h 20 min
